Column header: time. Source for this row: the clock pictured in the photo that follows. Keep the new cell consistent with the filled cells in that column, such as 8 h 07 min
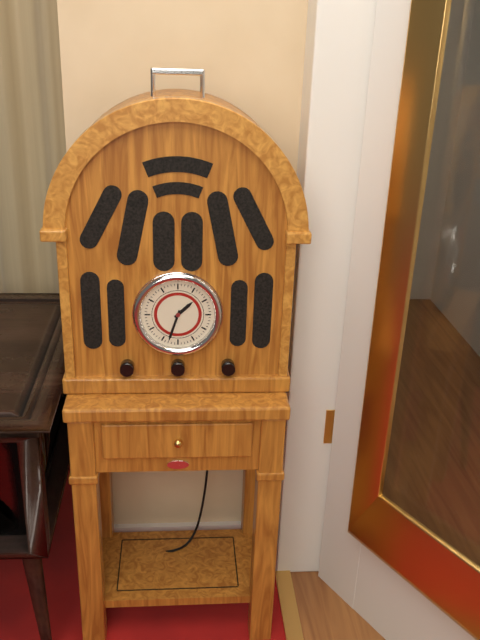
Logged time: 1 h 33 min
